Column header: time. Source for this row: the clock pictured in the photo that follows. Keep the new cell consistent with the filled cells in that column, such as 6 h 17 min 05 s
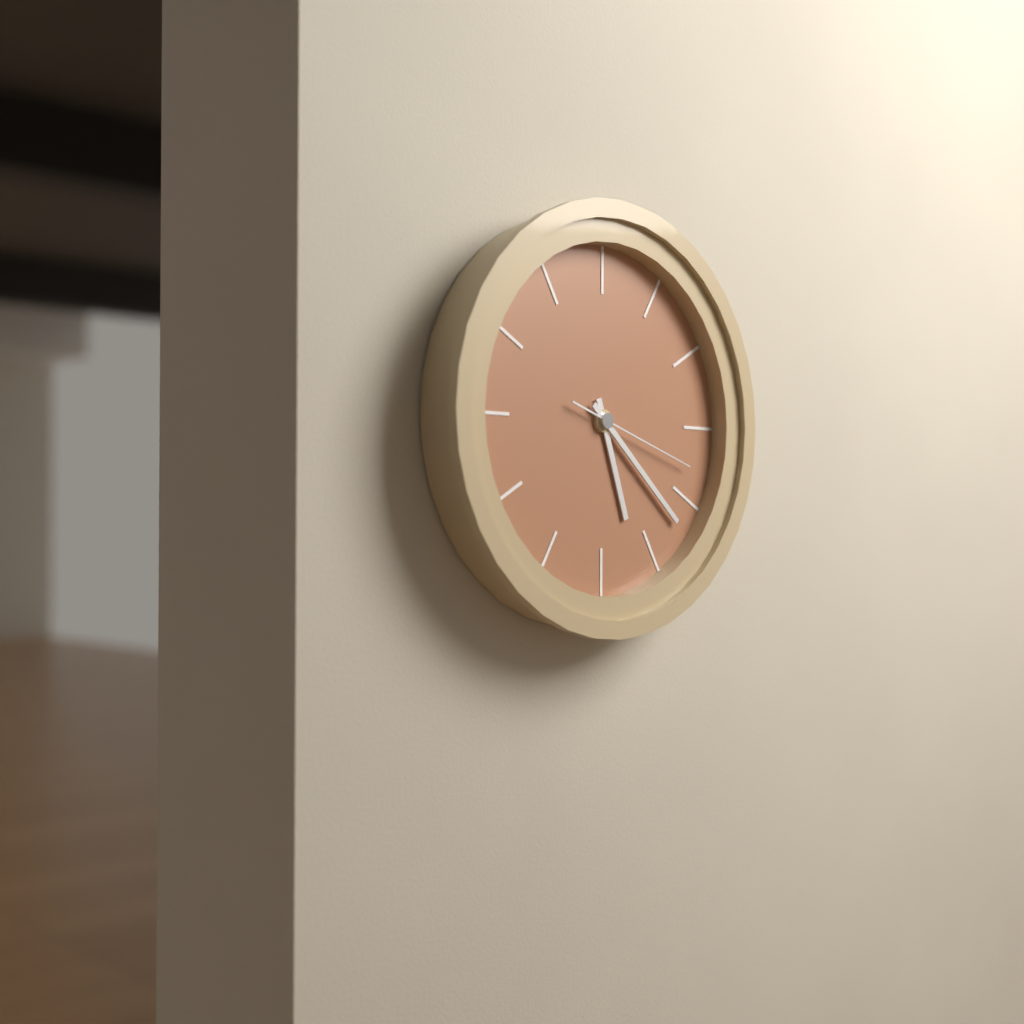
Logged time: 5 h 22 min 18 s
